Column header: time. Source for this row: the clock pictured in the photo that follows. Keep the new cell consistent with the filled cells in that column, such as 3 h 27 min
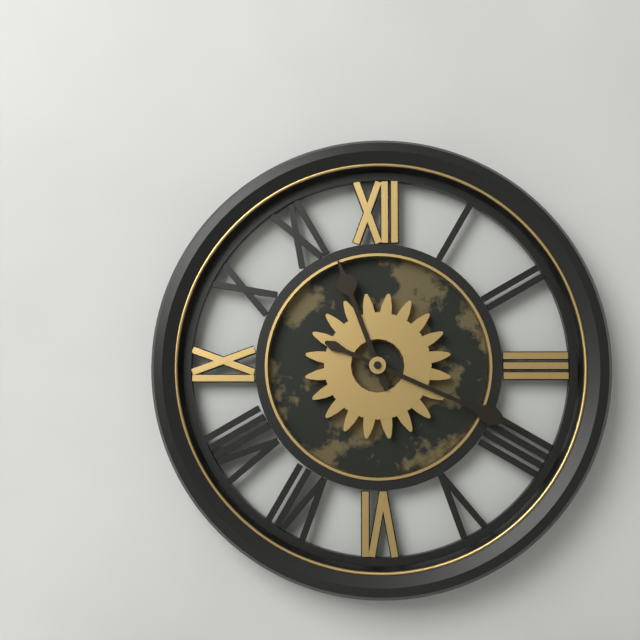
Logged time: 11 h 19 min
